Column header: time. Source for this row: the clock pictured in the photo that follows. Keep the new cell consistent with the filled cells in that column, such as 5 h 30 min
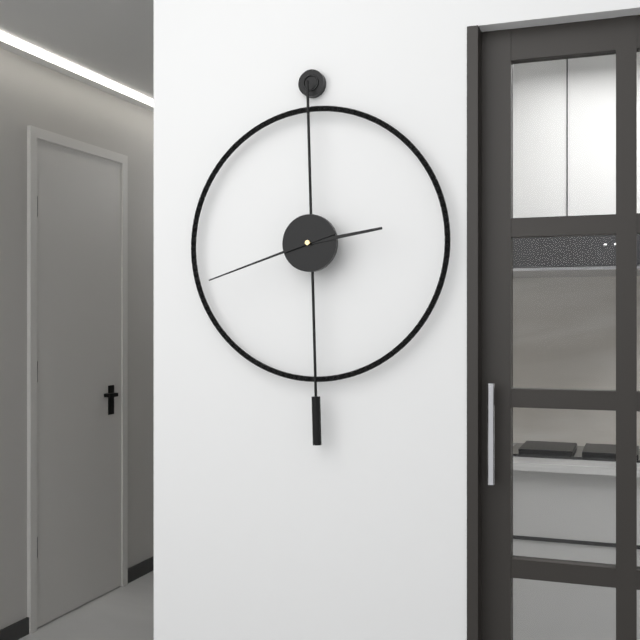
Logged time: 2 h 42 min
